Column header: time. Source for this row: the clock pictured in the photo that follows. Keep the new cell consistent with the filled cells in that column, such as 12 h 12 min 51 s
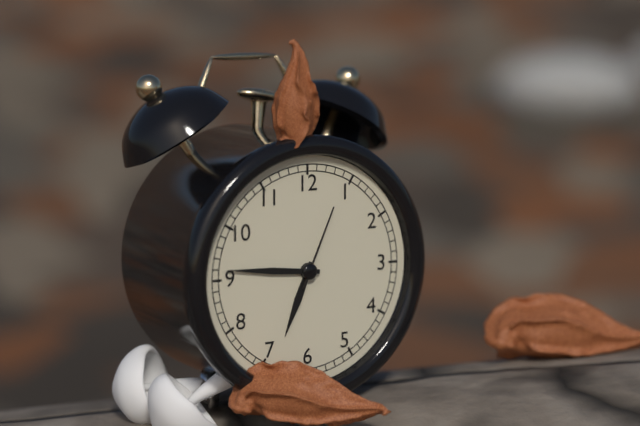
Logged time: 6 h 46 min 04 s
